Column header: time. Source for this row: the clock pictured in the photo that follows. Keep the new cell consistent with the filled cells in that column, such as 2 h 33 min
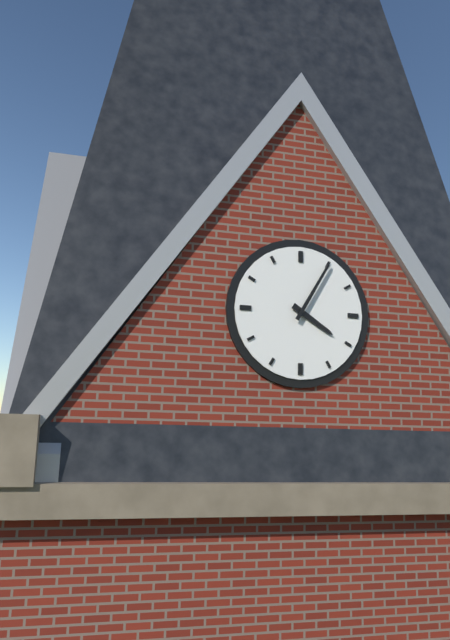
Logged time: 4 h 05 min
